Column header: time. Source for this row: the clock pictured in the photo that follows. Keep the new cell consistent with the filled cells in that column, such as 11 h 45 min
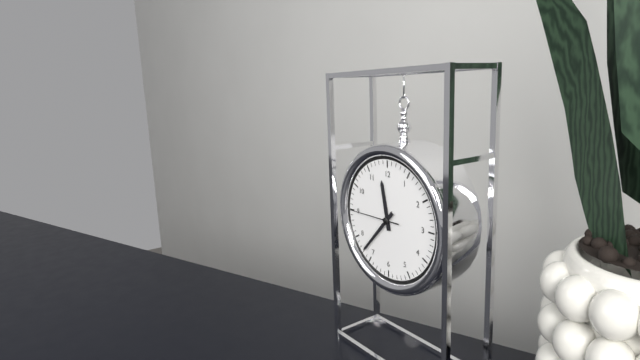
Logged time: 11 h 37 min
